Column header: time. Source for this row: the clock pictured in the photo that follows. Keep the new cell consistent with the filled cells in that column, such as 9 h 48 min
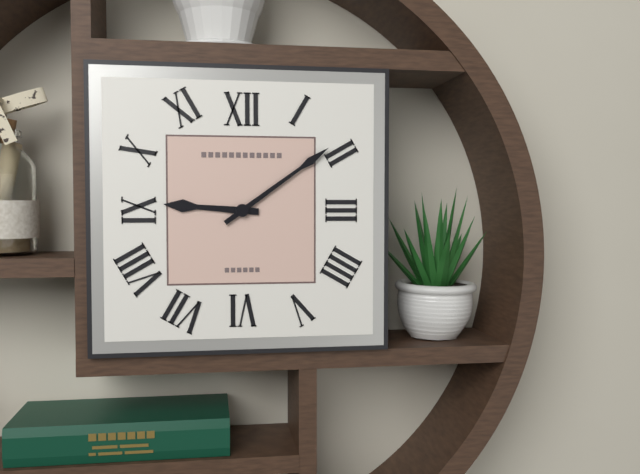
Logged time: 9 h 09 min
